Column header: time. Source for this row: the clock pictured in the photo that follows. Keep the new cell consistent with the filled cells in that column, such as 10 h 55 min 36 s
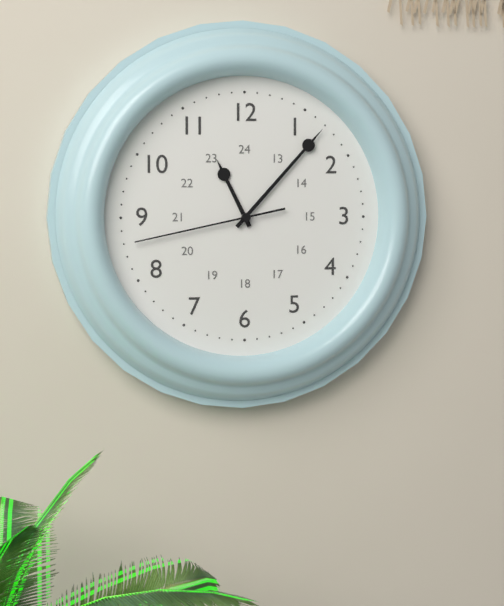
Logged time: 11 h 07 min 43 s
